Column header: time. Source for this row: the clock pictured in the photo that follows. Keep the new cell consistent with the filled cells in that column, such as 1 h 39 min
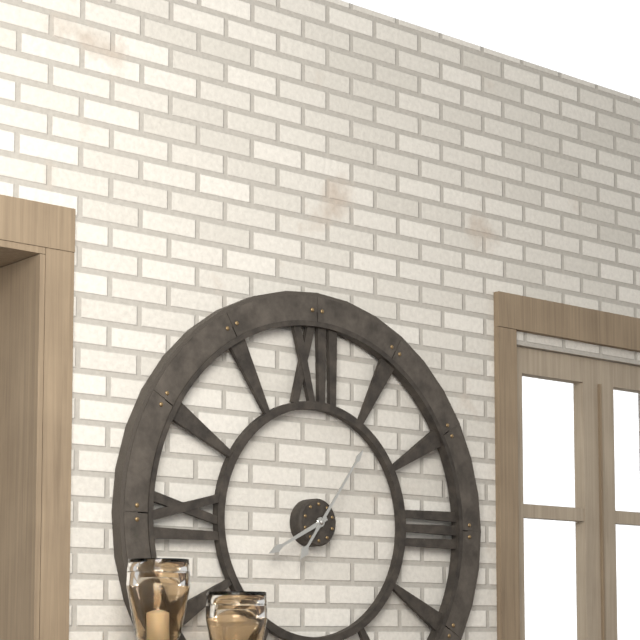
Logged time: 8 h 06 min
